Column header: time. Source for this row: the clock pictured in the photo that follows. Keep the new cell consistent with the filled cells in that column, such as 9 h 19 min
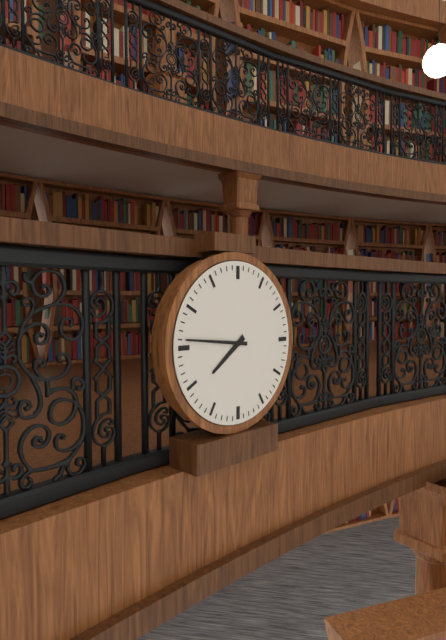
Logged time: 7 h 46 min
